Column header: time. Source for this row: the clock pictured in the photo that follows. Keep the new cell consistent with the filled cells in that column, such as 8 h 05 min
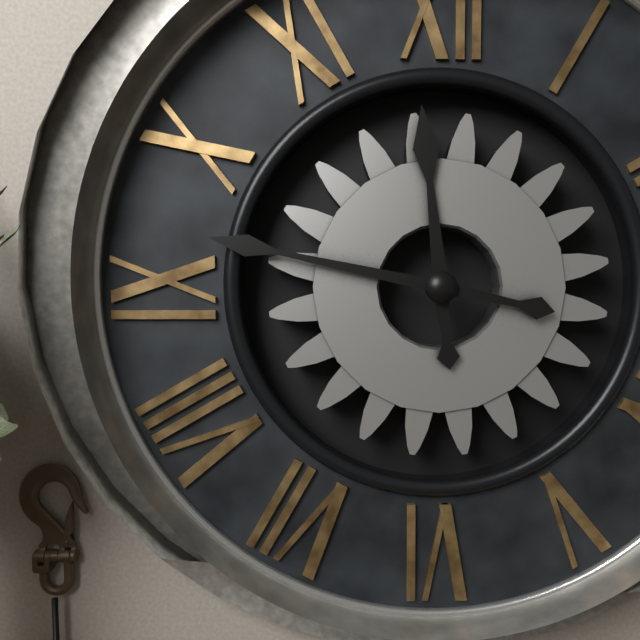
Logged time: 11 h 47 min
